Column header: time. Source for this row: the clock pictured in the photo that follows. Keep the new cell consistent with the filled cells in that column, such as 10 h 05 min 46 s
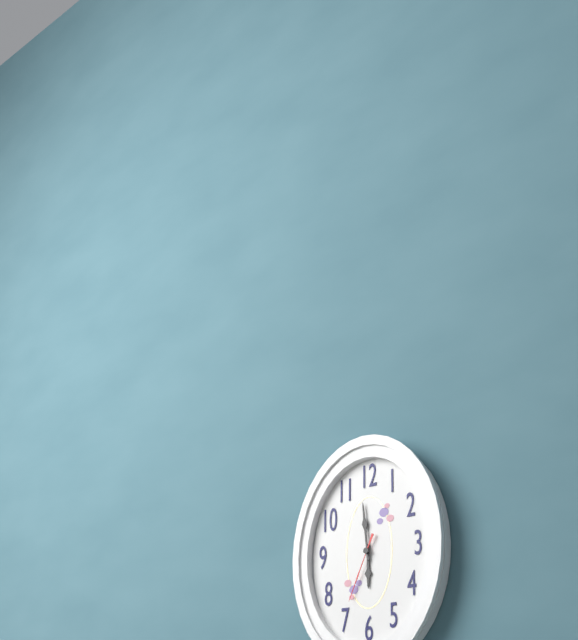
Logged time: 5 h 59 min 34 s
